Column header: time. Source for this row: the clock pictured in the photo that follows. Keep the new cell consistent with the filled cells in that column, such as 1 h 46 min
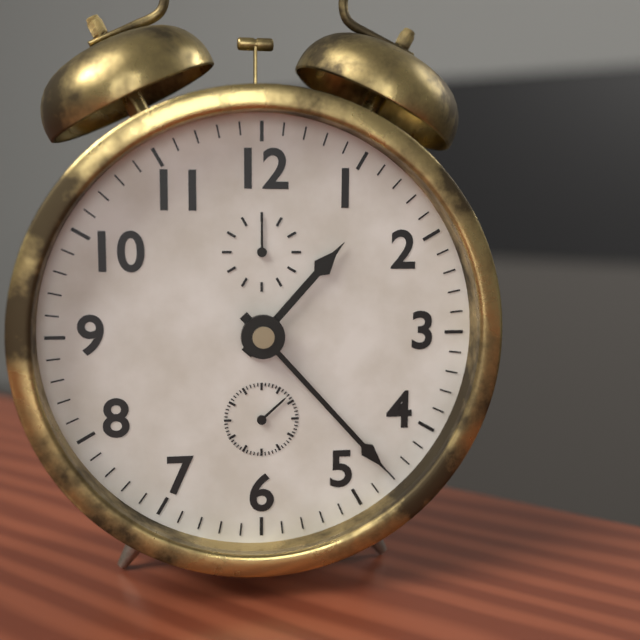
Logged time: 1 h 23 min
